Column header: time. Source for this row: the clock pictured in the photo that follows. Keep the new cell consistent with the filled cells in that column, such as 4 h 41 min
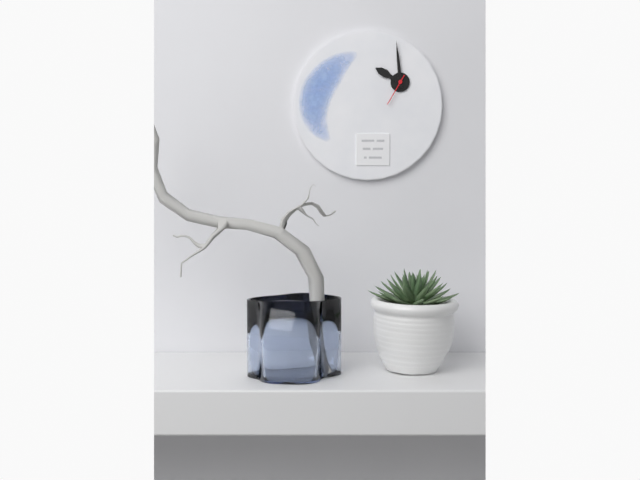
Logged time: 9 h 59 min
